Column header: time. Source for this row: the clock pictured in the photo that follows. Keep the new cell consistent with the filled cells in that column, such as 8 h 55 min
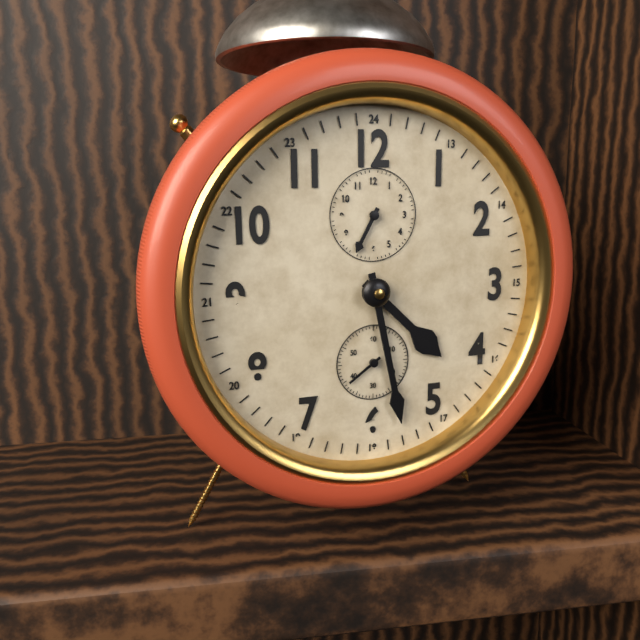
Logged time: 4 h 28 min
